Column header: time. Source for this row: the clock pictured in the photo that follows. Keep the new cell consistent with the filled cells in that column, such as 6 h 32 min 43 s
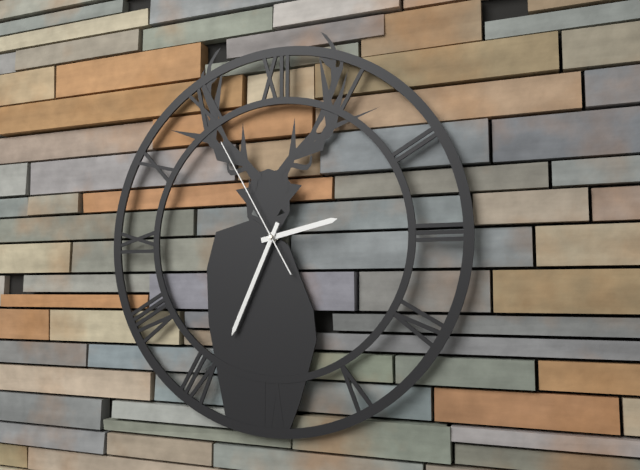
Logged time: 2 h 34 min 55 s
